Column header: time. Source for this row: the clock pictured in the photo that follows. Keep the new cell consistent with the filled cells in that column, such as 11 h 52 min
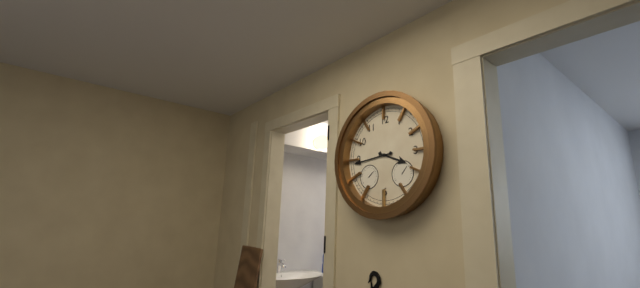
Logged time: 3 h 44 min
